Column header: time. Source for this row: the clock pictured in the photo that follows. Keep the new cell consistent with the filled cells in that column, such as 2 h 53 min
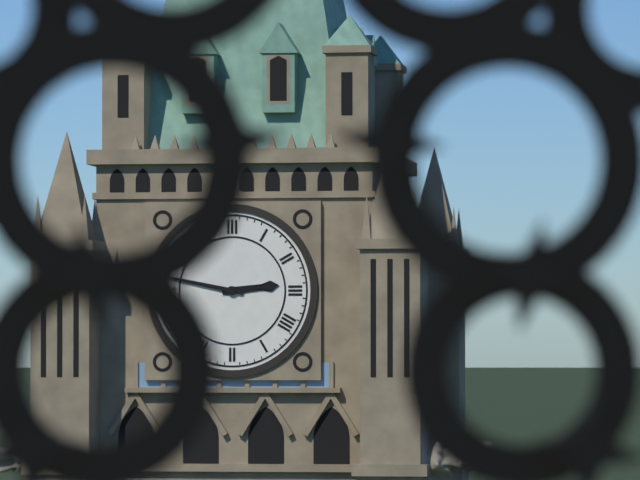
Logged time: 2 h 47 min
